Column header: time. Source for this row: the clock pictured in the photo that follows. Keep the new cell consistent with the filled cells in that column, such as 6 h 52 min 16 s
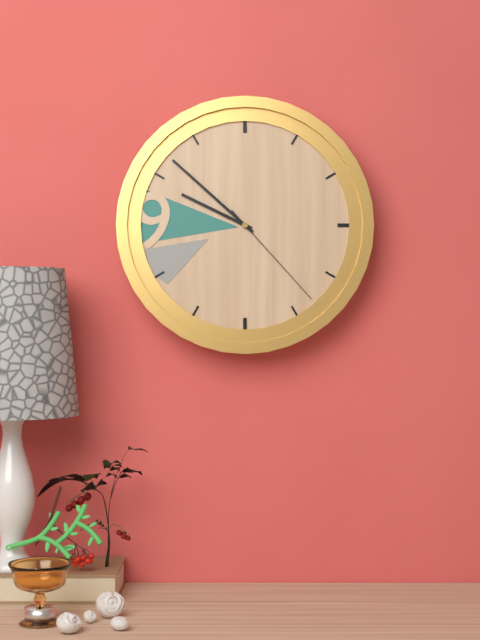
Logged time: 9 h 52 min 23 s
